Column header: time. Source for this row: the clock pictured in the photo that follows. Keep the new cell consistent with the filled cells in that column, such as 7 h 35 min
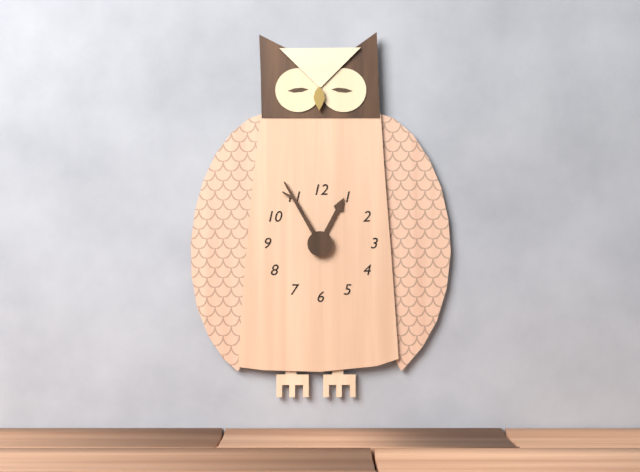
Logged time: 12 h 55 min
